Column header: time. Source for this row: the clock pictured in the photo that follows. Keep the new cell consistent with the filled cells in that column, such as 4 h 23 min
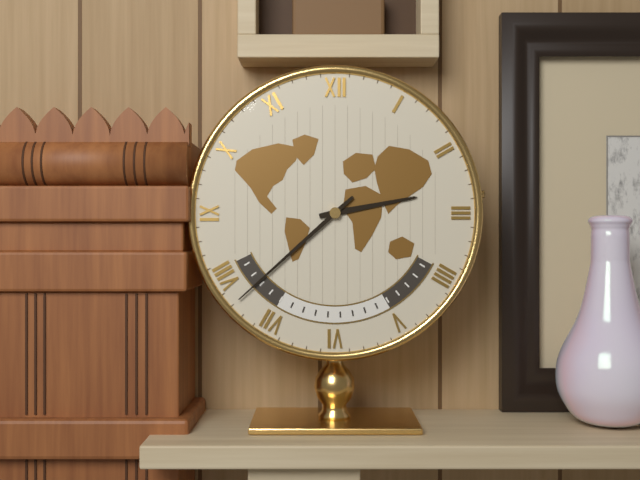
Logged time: 2 h 38 min
